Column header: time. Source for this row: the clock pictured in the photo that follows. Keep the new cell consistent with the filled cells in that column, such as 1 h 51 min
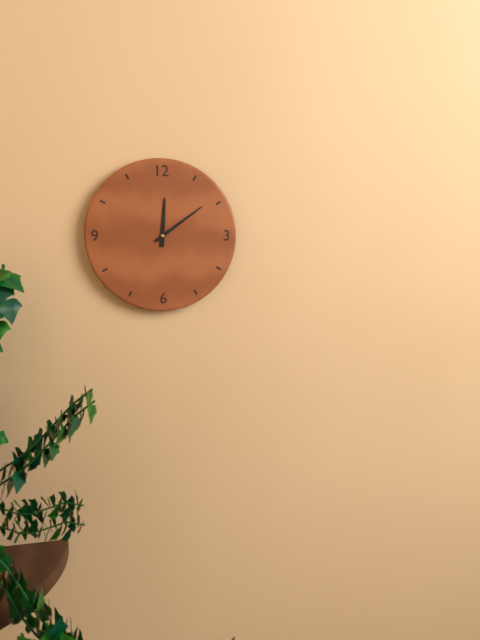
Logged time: 12 h 09 min
